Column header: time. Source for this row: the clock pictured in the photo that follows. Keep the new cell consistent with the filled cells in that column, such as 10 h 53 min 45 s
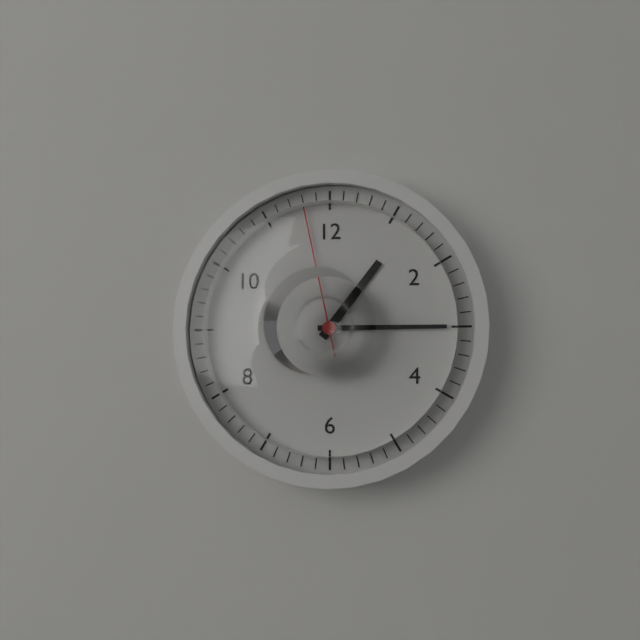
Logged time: 1 h 15 min 58 s
